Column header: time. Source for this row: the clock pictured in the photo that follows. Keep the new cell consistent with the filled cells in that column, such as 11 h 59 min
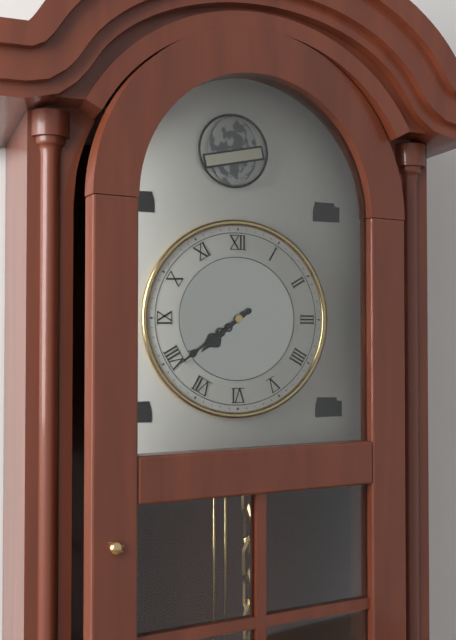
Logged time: 7 h 39 min
